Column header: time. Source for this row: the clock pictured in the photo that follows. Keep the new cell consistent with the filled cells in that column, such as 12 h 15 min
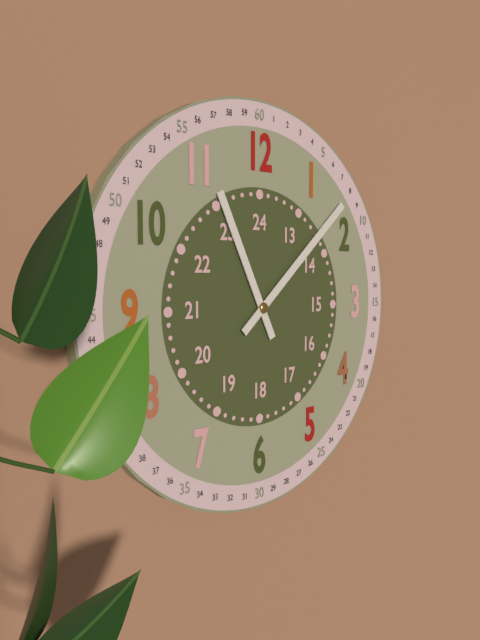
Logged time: 11 h 08 min
